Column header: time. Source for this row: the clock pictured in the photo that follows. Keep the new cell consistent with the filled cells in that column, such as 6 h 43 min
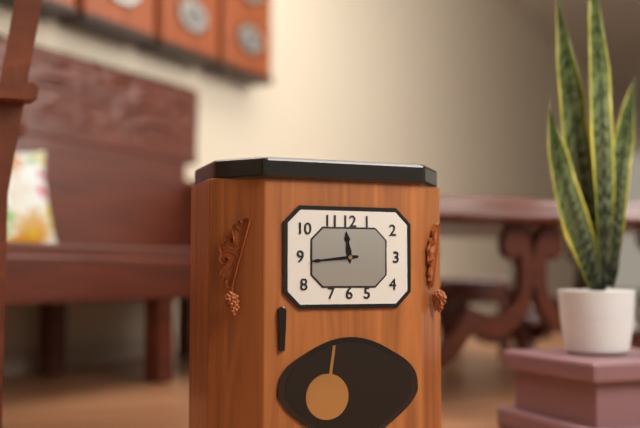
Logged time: 11 h 44 min
